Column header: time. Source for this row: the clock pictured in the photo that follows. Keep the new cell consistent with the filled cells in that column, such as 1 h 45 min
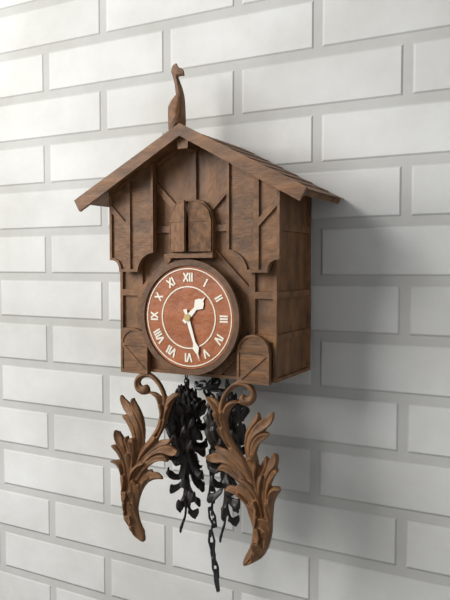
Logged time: 1 h 27 min
